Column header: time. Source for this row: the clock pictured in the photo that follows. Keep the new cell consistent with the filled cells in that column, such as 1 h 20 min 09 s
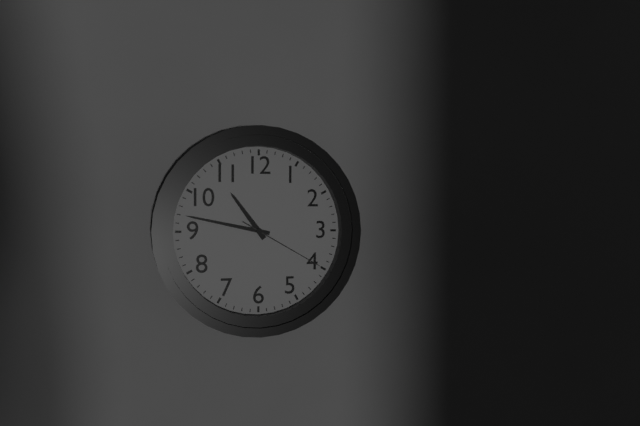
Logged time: 10 h 47 min 20 s
